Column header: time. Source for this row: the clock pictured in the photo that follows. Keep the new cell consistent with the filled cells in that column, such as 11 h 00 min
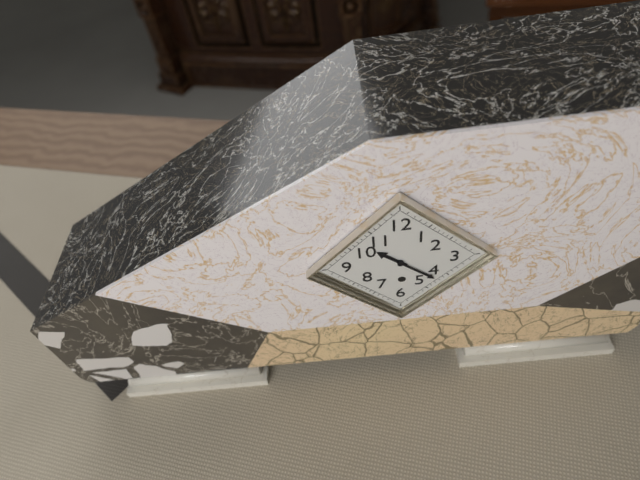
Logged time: 10 h 22 min
